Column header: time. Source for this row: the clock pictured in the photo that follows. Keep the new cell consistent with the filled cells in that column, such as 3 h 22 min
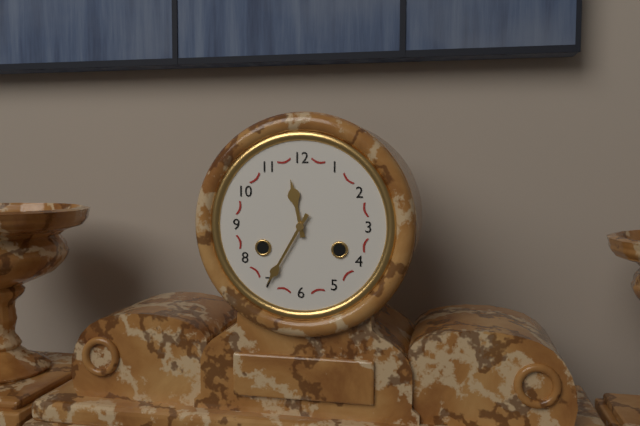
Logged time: 11 h 35 min
